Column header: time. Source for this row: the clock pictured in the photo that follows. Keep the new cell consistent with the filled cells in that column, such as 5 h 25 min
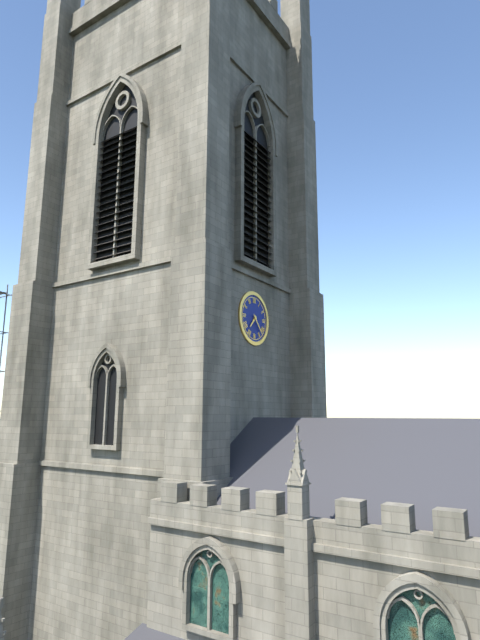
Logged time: 7 h 23 min
